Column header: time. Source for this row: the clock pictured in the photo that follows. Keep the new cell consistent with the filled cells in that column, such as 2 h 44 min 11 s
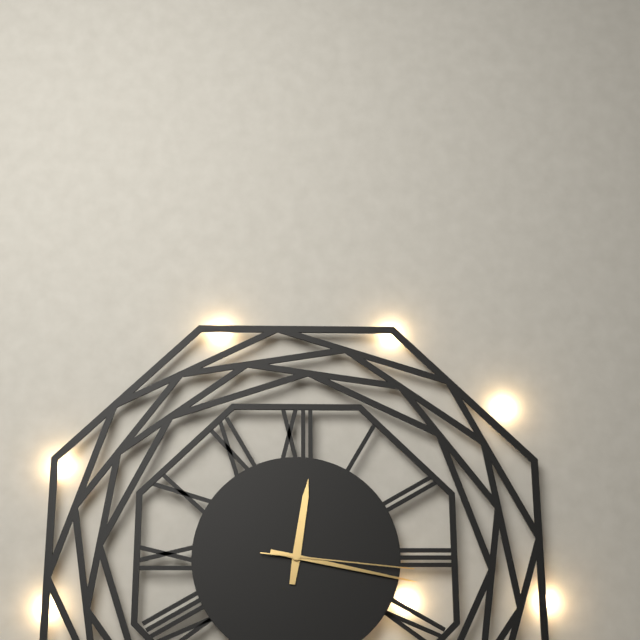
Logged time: 12 h 17 min 16 s
